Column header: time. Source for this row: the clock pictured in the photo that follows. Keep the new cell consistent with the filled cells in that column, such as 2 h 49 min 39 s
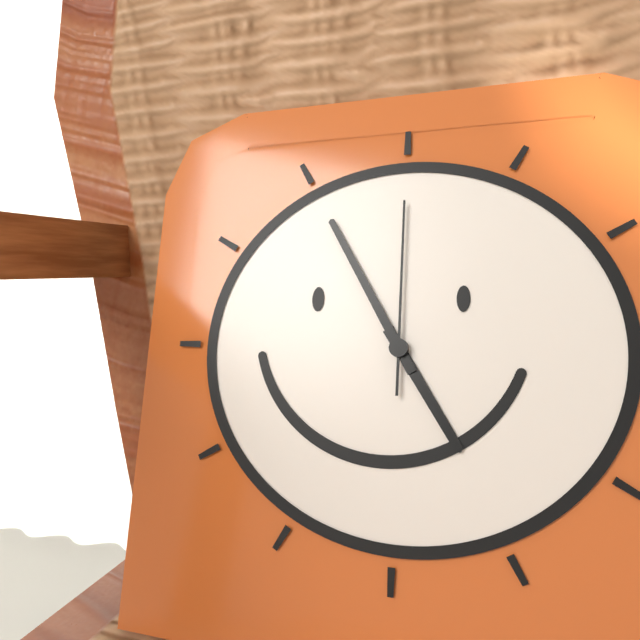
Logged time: 4 h 55 min 00 s
